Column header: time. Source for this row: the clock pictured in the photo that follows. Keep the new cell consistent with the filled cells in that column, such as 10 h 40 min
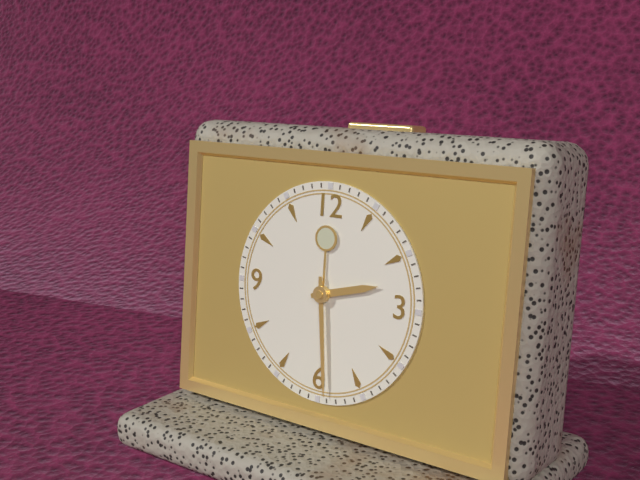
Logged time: 2 h 29 min
